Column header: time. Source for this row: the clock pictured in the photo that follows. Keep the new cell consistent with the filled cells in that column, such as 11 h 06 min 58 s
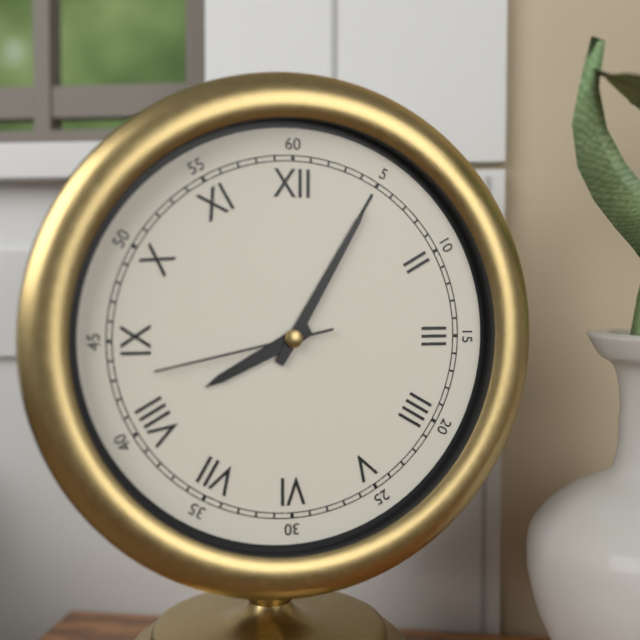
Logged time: 8 h 05 min 43 s
